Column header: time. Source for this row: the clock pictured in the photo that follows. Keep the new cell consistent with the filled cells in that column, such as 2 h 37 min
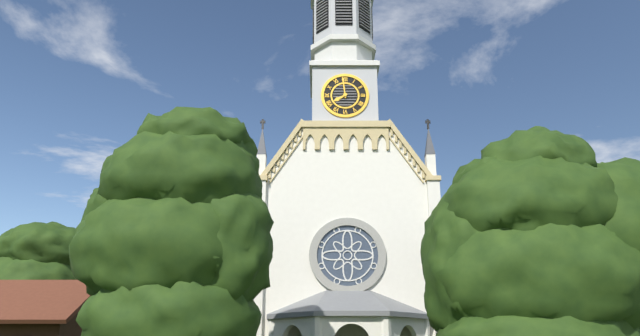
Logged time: 7 h 59 min
